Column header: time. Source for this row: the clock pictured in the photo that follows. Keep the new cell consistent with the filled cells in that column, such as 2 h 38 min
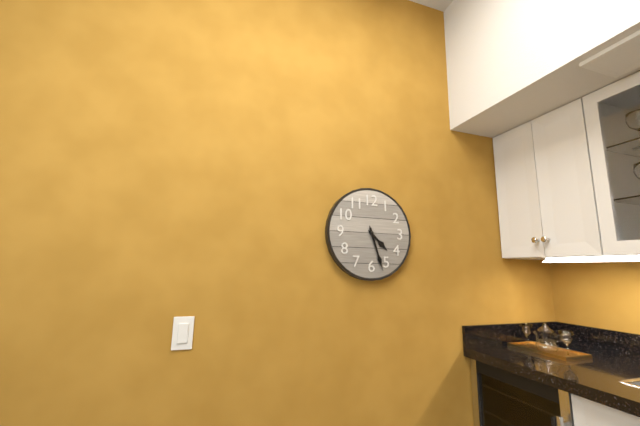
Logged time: 4 h 27 min
